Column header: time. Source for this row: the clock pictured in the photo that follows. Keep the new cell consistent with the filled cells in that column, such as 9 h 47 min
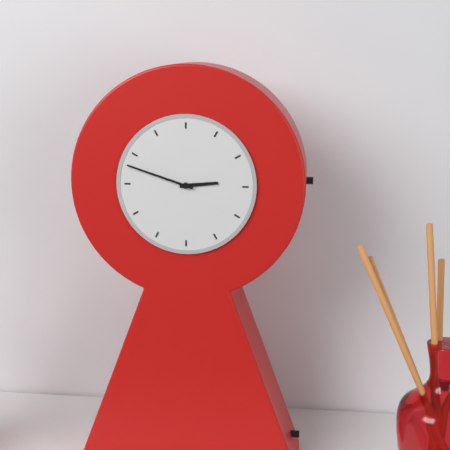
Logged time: 2 h 48 min
